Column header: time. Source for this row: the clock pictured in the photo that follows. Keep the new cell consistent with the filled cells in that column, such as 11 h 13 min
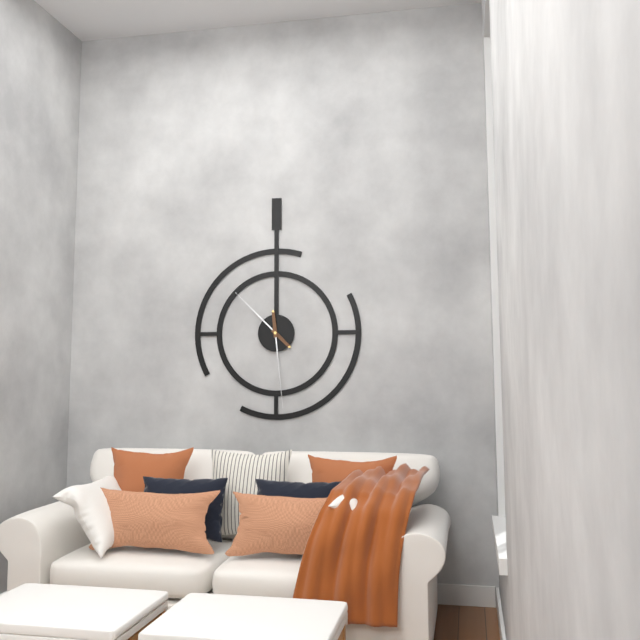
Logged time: 10 h 29 min
